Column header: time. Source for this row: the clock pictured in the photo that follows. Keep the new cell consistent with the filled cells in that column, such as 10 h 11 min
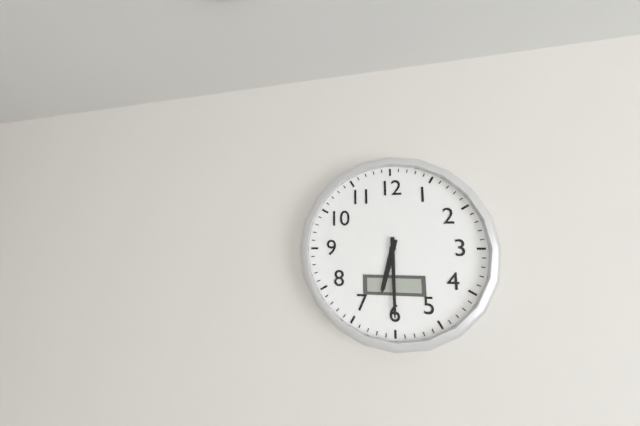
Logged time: 6 h 30 min
